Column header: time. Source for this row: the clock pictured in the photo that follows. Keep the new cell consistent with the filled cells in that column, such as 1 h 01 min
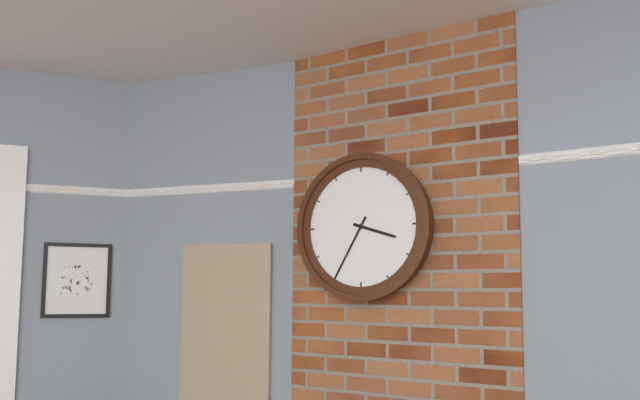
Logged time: 3 h 35 min
